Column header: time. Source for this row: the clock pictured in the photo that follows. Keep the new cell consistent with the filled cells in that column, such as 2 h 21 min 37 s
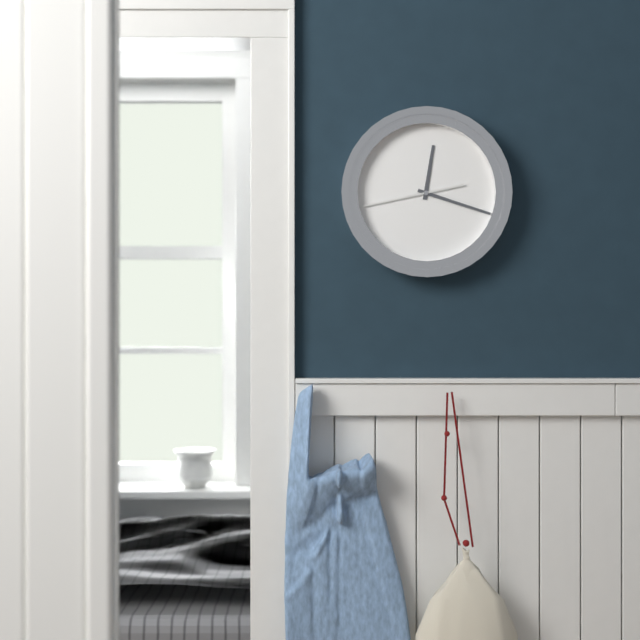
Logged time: 12 h 18 min 43 s
